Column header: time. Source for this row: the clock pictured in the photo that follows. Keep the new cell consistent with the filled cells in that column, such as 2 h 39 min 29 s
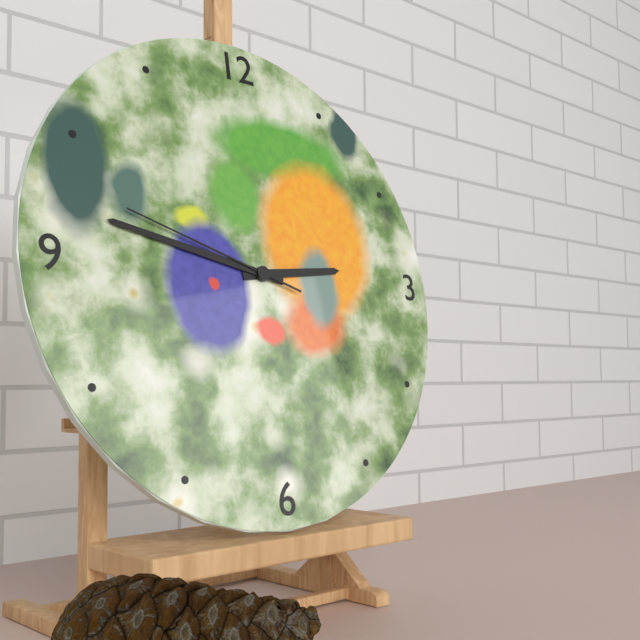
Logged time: 2 h 47 min 48 s
